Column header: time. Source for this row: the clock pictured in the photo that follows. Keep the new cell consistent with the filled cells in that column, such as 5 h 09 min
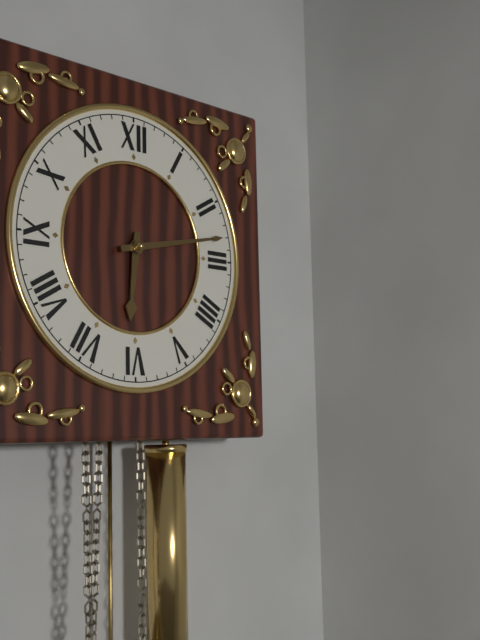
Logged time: 6 h 13 min
